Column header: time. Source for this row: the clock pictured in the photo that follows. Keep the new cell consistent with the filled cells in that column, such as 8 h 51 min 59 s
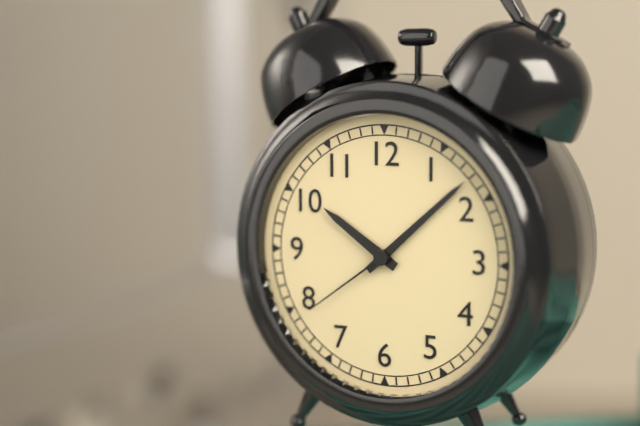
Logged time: 10 h 08 min 39 s
